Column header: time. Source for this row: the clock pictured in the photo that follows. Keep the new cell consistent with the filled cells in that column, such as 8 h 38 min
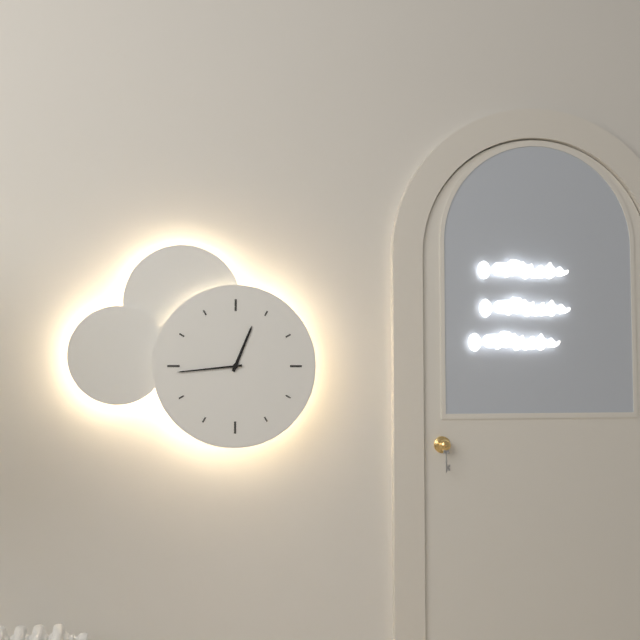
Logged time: 12 h 44 min
